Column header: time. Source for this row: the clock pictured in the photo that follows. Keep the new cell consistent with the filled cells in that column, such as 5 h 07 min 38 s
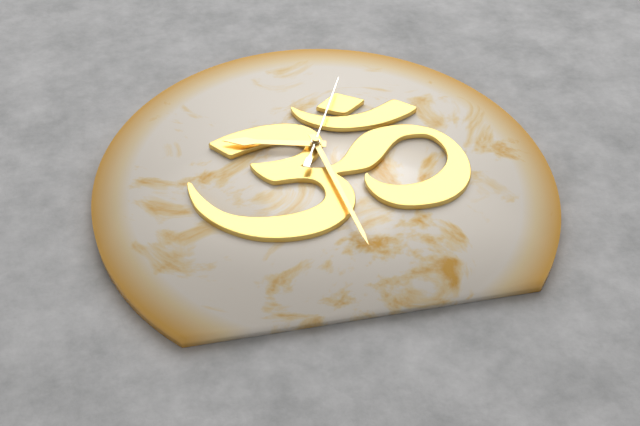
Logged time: 9 h 29 min 04 s
